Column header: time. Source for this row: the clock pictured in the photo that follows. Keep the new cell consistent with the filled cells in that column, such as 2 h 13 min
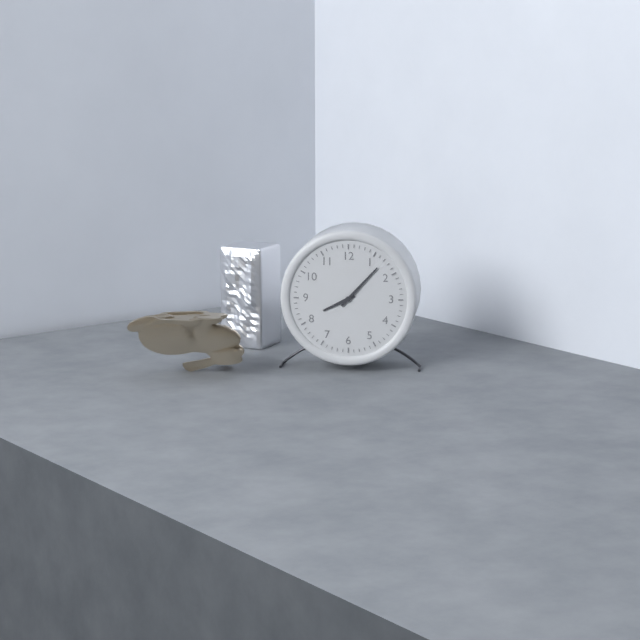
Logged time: 8 h 07 min
